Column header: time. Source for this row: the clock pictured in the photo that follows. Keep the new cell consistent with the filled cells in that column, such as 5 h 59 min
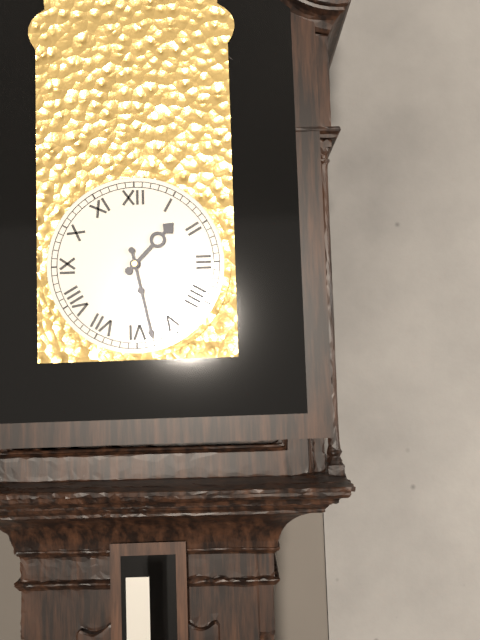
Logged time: 1 h 28 min
